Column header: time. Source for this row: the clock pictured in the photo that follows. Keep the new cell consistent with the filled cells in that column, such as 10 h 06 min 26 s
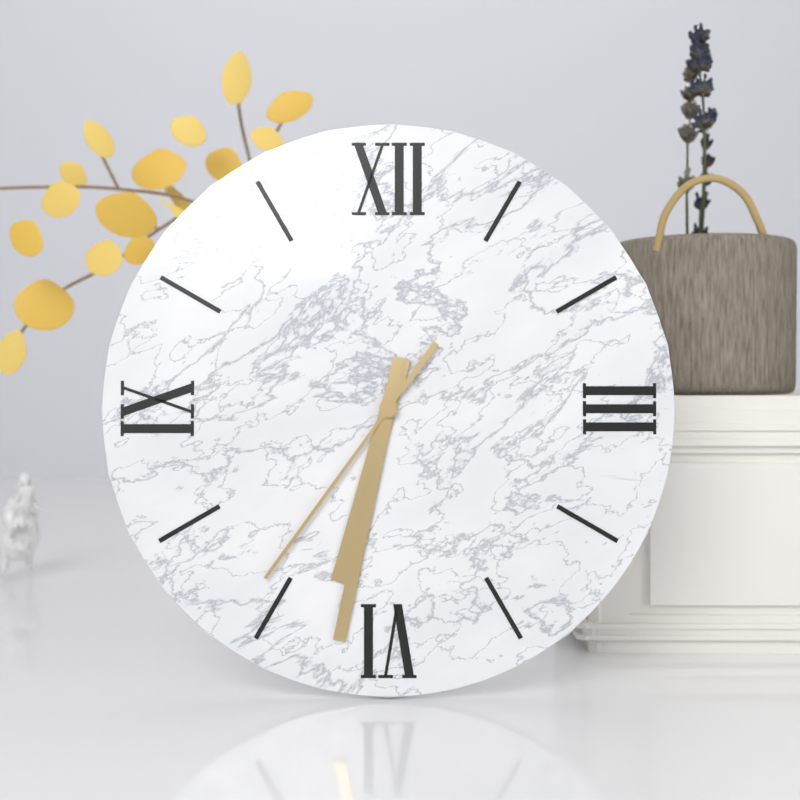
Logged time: 6 h 32 min 36 s
